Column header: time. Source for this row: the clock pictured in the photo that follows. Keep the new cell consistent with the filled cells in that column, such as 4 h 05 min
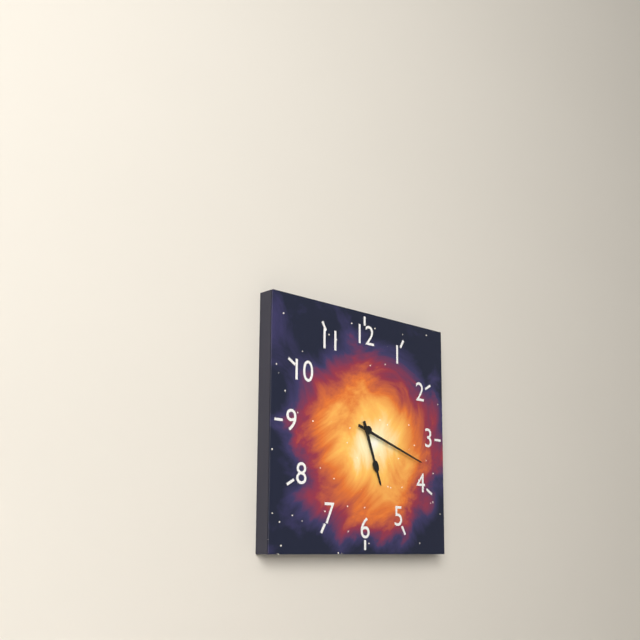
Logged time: 5 h 18 min
